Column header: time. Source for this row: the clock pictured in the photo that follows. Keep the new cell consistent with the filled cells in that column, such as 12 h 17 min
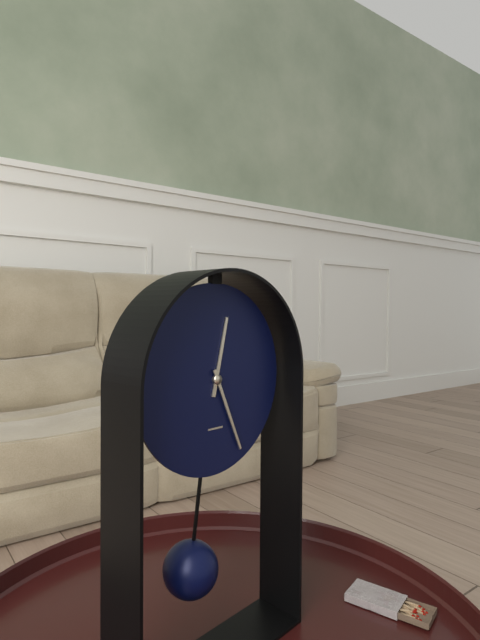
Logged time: 12 h 26 min
